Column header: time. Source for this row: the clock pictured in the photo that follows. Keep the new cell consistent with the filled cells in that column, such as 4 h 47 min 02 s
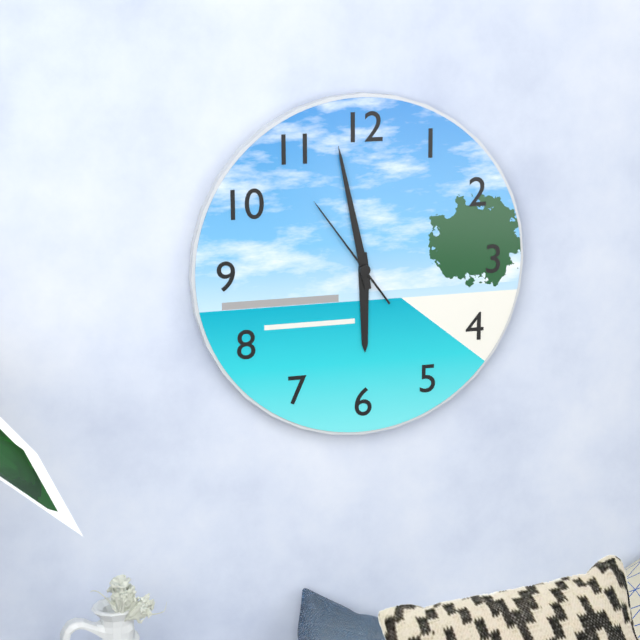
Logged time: 5 h 58 min 54 s
